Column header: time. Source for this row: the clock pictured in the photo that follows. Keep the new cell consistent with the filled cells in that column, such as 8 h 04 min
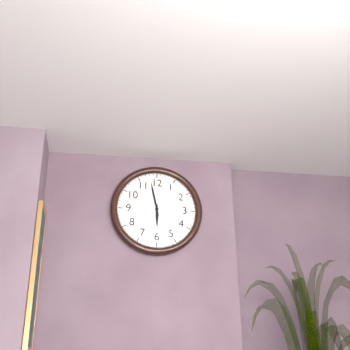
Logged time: 5 h 58 min
